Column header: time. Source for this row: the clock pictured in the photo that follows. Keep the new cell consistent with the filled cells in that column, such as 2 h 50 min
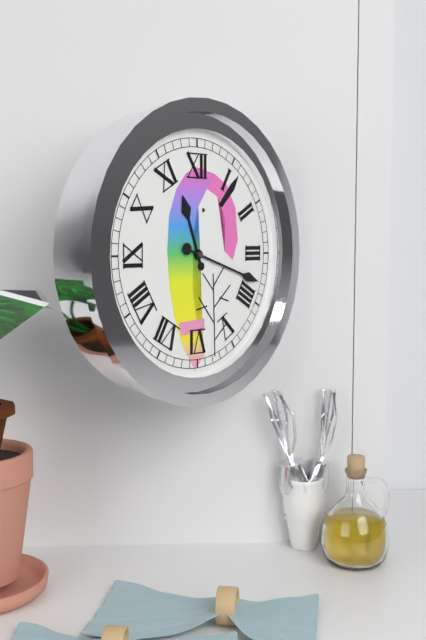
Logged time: 11 h 18 min
